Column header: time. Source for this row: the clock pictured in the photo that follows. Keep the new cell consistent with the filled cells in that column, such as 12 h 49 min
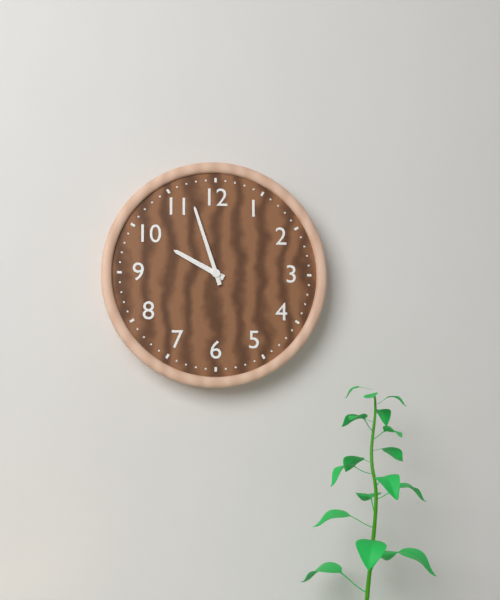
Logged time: 9 h 57 min
